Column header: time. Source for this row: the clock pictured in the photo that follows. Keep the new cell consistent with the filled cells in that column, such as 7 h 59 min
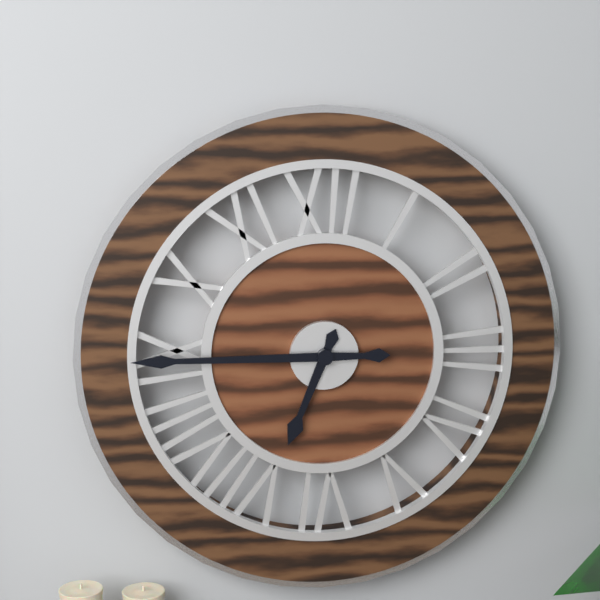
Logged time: 6 h 45 min
